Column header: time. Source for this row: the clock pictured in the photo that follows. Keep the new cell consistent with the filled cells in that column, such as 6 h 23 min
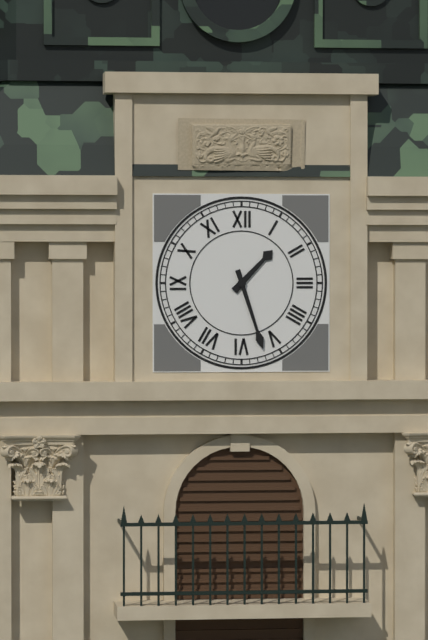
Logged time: 1 h 27 min
